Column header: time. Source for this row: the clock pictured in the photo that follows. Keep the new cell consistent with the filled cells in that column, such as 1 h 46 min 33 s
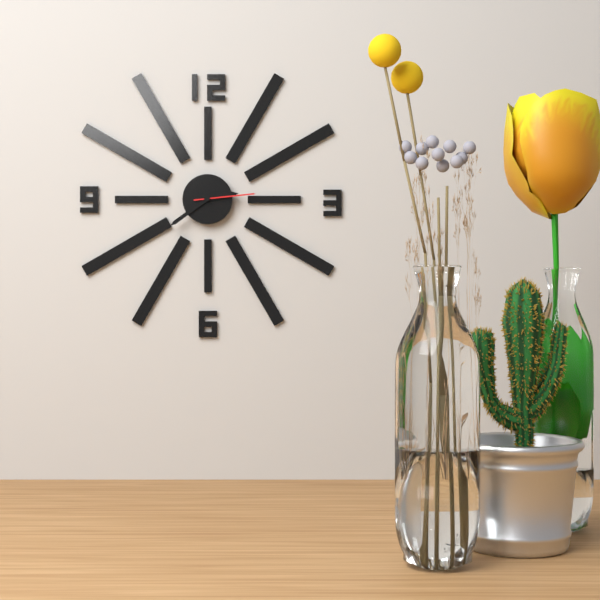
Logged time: 2 h 39 min 14 s
